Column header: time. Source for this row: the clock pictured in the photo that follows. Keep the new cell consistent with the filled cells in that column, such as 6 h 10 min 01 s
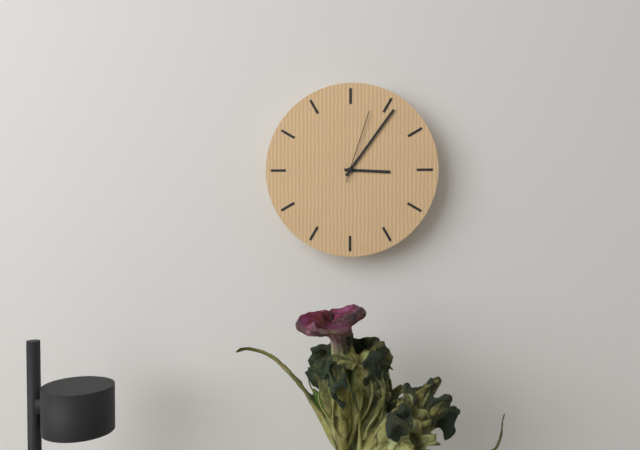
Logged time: 3 h 06 min 03 s
